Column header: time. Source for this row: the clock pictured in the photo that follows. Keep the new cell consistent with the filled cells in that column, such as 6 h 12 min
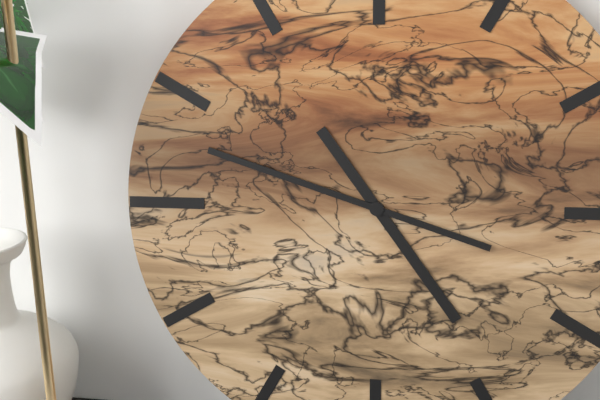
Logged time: 4 h 48 min
